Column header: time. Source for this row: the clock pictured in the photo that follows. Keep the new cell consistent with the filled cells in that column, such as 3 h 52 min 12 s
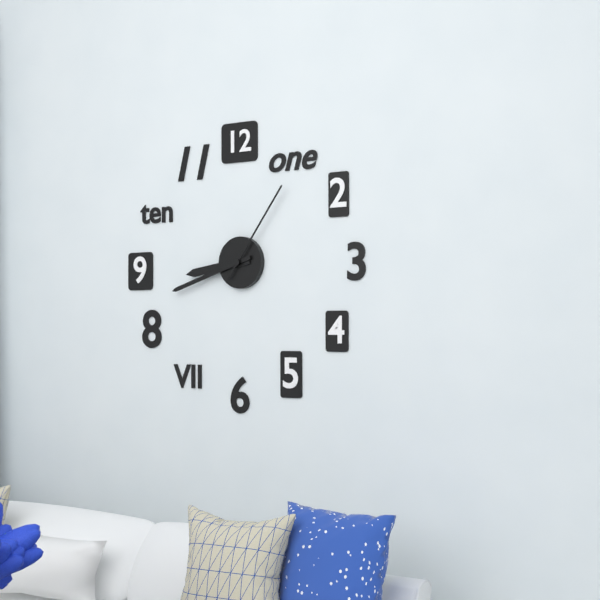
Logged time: 8 h 42 min 06 s
